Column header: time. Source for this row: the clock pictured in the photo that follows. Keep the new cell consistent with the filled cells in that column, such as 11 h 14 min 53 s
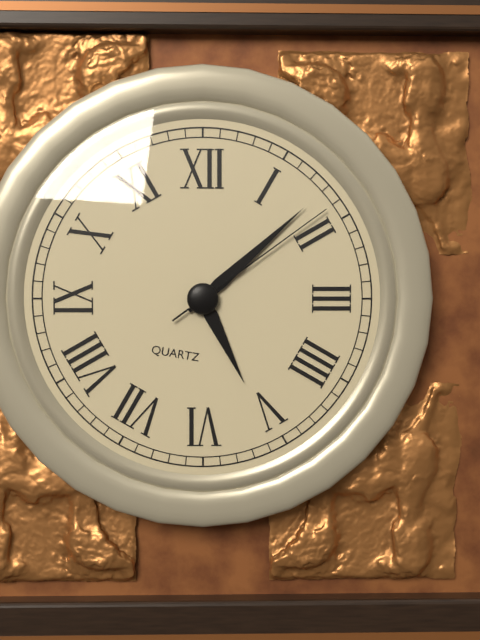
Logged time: 5 h 08 min 09 s
